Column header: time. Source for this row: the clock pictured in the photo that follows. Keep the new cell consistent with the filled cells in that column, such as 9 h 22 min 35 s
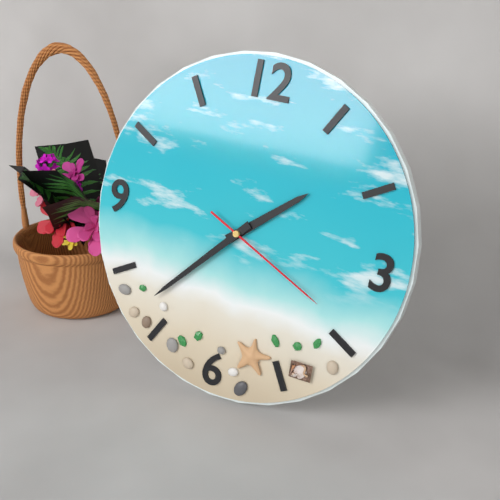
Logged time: 1 h 37 min 19 s
